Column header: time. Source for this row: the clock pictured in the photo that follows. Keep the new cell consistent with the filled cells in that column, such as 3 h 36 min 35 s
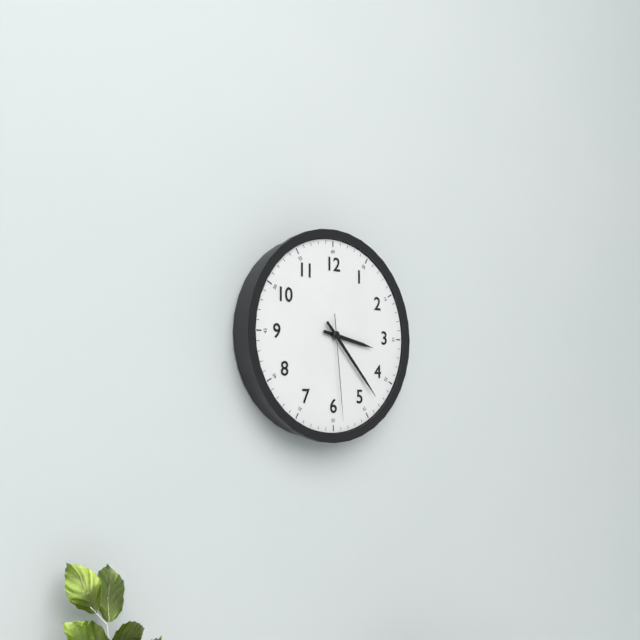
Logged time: 3 h 23 min 29 s
